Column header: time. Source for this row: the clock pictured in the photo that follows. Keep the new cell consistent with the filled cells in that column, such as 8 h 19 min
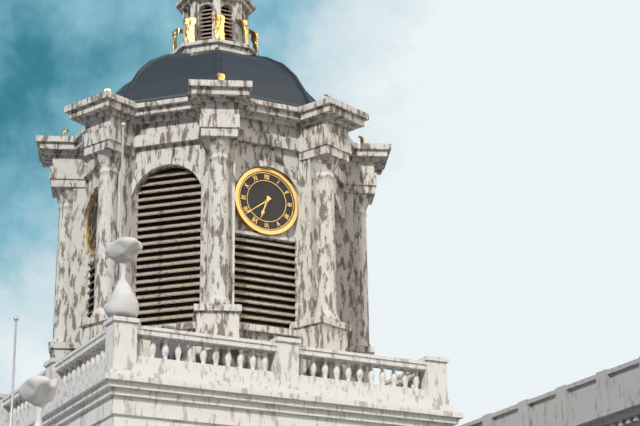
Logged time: 6 h 39 min
